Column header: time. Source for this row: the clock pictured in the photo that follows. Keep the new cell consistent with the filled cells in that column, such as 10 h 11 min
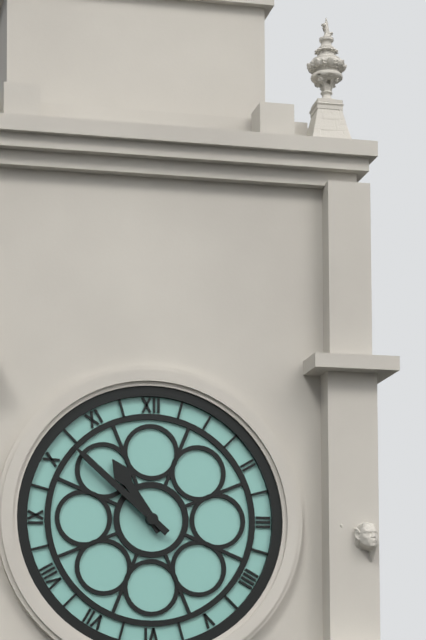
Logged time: 10 h 52 min
